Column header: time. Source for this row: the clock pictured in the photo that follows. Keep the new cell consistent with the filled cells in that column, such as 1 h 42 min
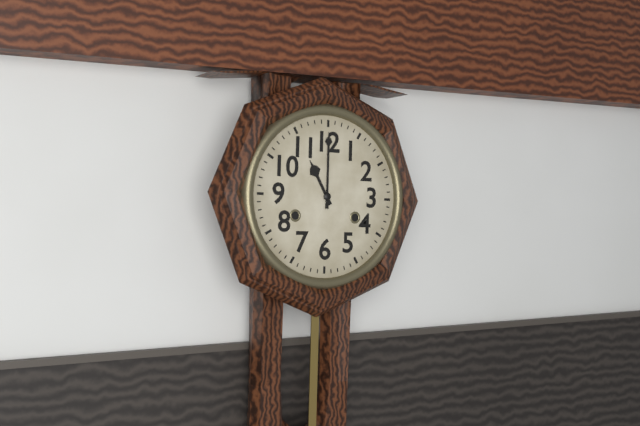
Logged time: 11 h 00 min
